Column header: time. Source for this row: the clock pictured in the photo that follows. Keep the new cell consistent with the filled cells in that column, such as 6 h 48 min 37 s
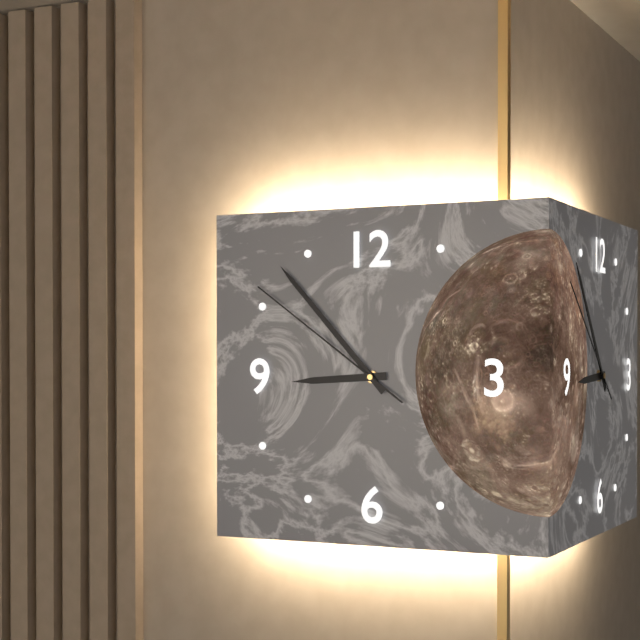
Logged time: 8 h 53 min 51 s
